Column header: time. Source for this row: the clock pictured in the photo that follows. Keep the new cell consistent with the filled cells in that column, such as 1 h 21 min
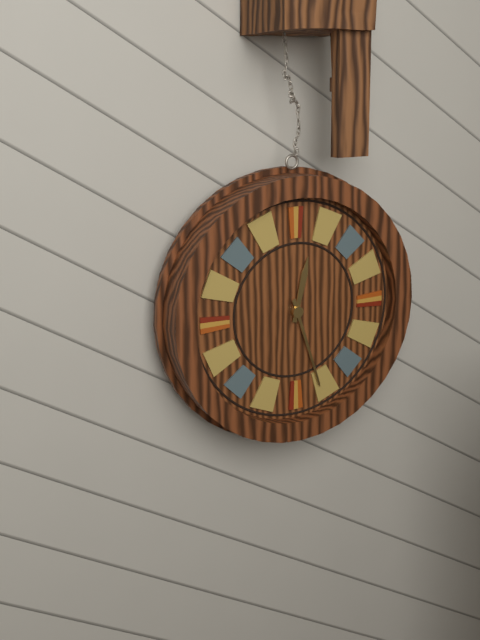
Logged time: 12 h 27 min
